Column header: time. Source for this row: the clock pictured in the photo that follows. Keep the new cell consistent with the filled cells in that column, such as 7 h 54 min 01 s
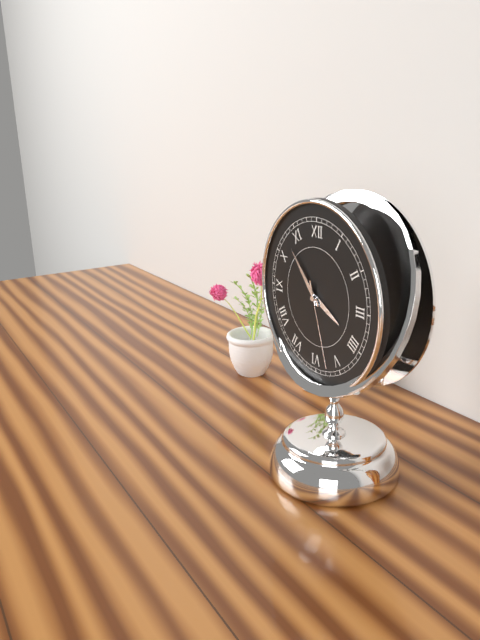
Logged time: 3 h 53 min 27 s
